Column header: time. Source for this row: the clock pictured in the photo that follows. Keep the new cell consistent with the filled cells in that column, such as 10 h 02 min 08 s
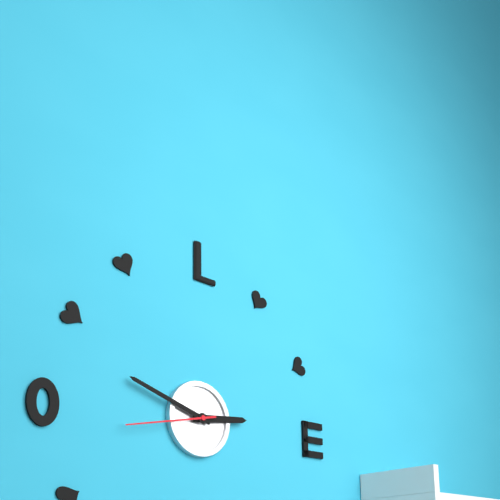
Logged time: 2 h 48 min 43 s
